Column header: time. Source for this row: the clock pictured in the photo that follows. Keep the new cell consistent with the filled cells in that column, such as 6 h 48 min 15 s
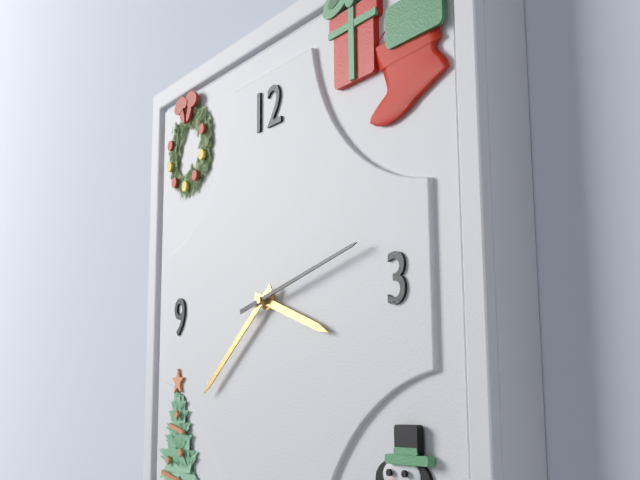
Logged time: 3 h 39 min 13 s
